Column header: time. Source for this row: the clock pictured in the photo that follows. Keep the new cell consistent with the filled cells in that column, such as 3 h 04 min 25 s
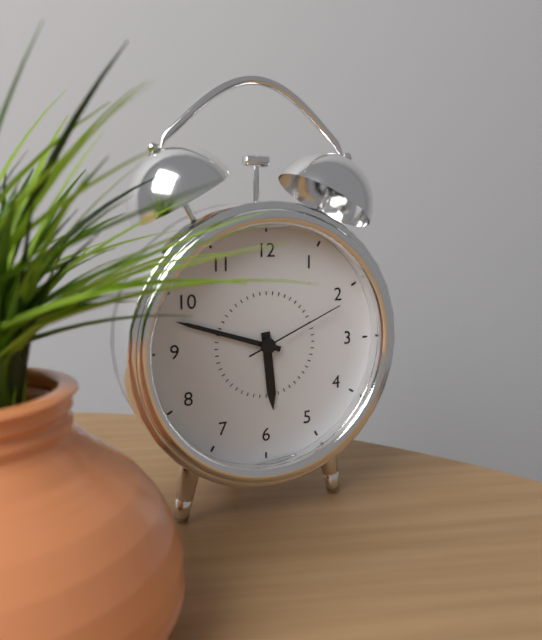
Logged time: 5 h 48 min 11 s
